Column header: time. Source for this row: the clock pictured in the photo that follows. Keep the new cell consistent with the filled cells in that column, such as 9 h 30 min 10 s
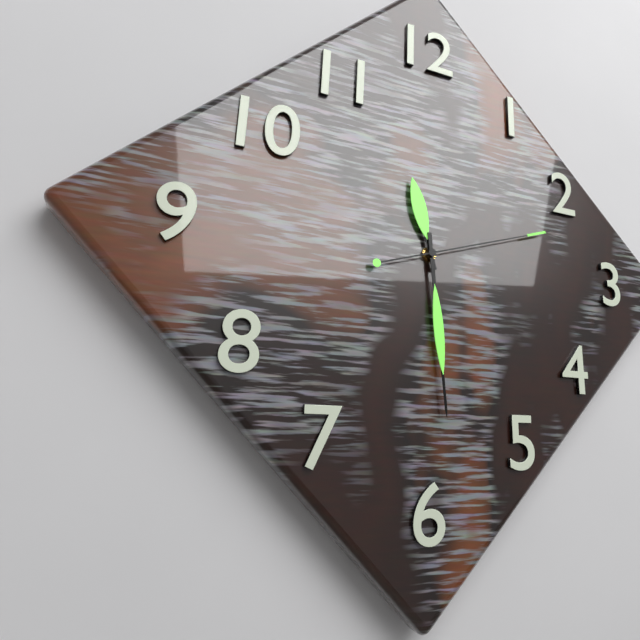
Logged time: 11 h 29 min 12 s
